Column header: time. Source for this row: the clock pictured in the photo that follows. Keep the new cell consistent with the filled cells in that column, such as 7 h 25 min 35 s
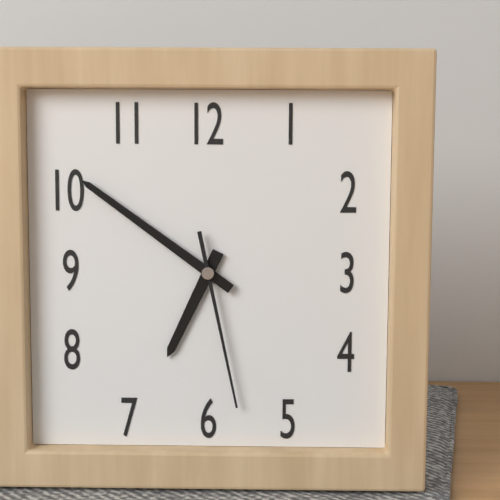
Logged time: 6 h 51 min 28 s
